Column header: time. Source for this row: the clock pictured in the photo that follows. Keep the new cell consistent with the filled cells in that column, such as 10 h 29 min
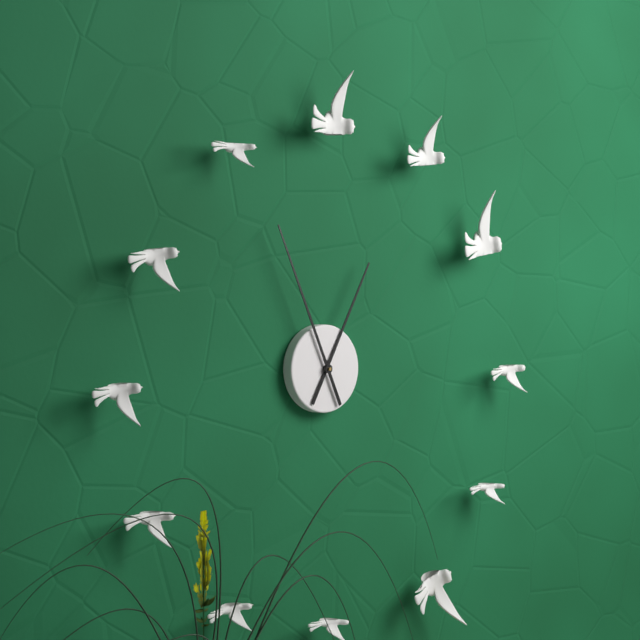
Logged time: 12 h 56 min
